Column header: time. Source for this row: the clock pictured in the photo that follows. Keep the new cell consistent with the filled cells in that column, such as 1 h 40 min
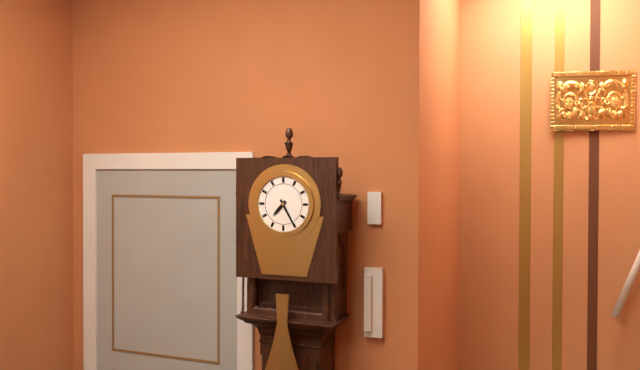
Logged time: 7 h 25 min
